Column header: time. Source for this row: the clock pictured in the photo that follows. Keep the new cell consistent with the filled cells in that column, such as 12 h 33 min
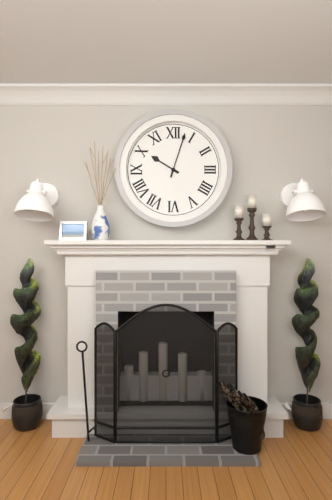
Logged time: 10 h 03 min
